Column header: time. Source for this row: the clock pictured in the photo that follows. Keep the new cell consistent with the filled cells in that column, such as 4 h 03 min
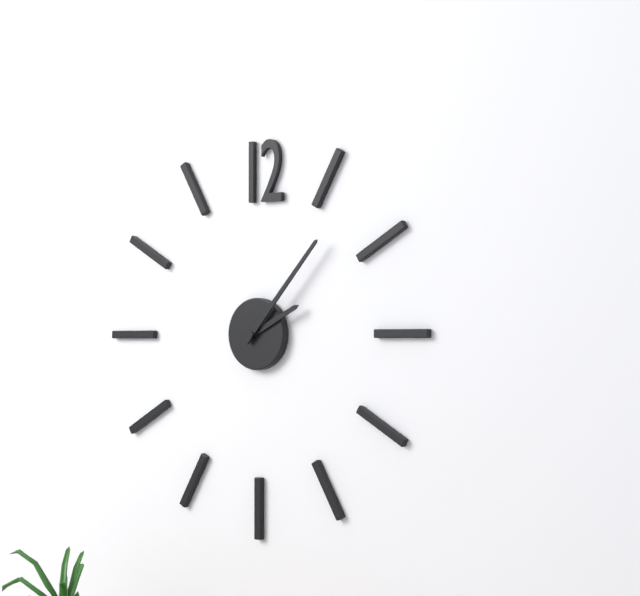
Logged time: 2 h 07 min
